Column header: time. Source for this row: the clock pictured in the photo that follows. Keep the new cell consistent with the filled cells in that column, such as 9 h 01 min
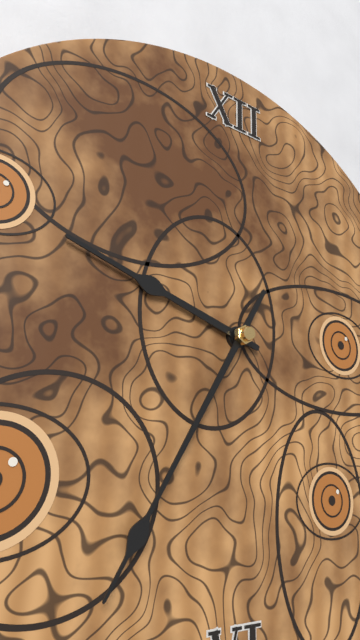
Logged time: 9 h 35 min
